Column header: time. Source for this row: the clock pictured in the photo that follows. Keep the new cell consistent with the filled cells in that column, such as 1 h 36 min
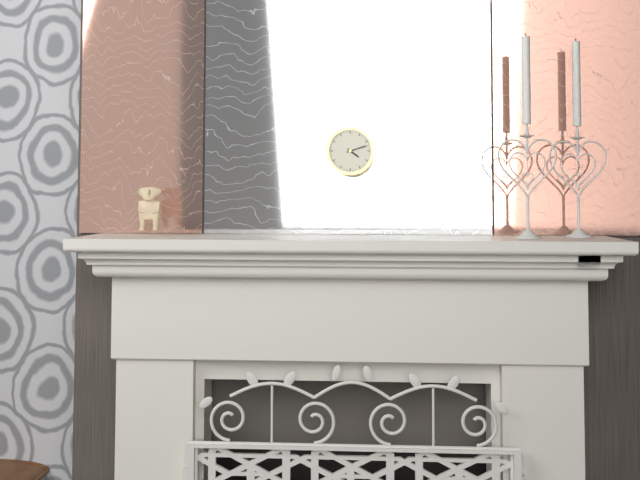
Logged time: 4 h 12 min
